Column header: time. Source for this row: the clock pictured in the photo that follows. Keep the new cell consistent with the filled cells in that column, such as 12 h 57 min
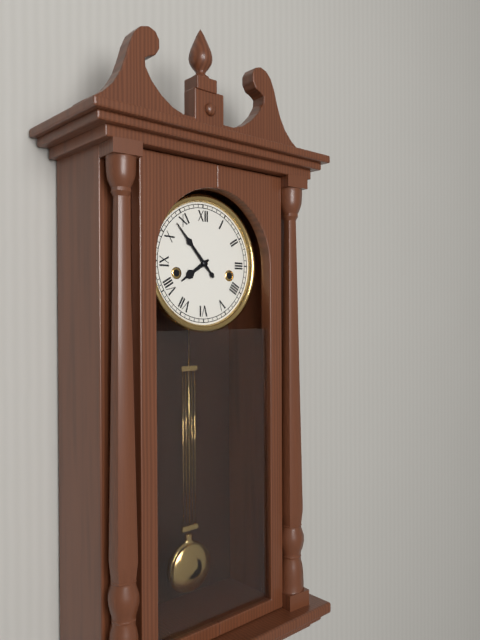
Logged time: 7 h 53 min
